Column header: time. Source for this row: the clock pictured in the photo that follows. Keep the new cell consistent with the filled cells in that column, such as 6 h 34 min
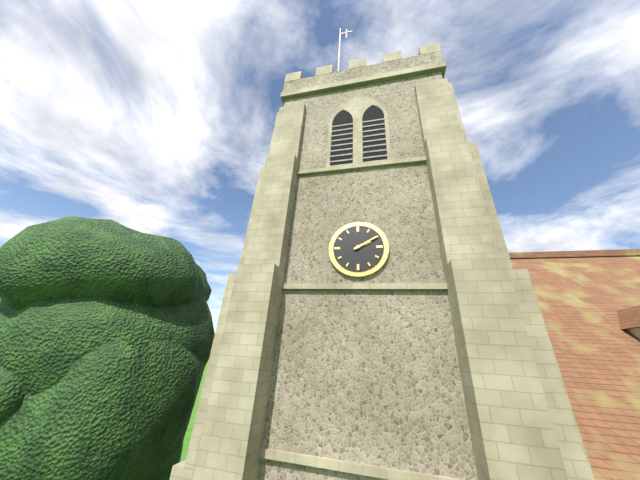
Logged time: 2 h 10 min
